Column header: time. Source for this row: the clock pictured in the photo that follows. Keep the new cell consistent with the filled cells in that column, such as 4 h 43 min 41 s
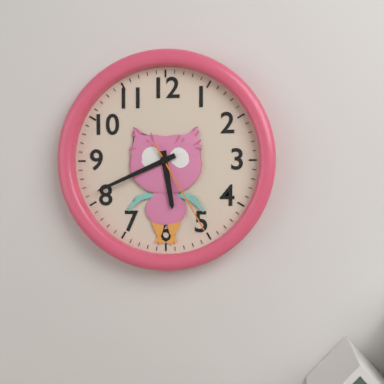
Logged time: 5 h 41 min 25 s
